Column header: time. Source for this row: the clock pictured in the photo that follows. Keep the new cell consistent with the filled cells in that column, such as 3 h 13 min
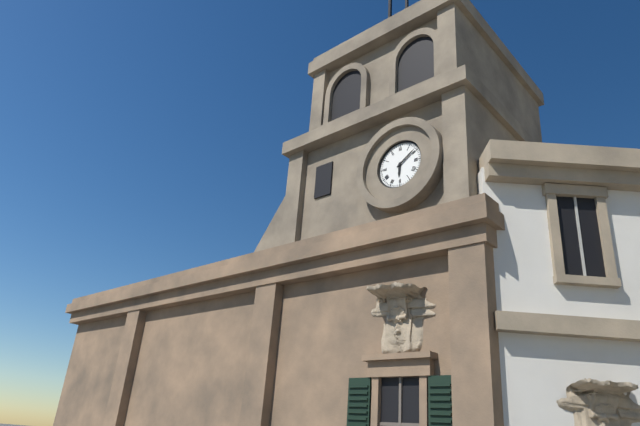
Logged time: 6 h 09 min
